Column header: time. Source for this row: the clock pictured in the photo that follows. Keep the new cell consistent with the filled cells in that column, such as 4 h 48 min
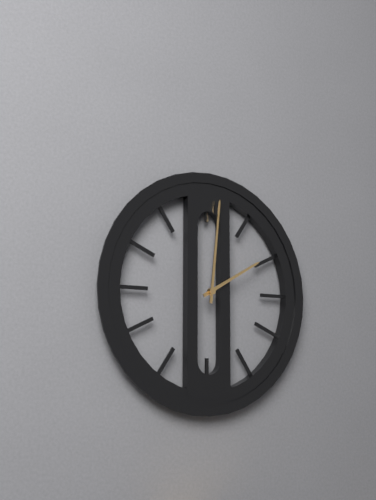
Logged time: 2 h 01 min
